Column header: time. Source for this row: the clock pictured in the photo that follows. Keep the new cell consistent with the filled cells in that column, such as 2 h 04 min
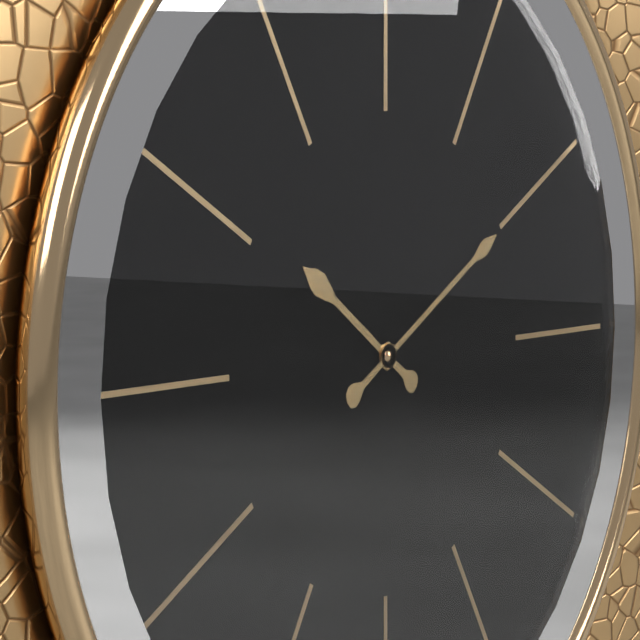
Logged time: 10 h 10 min
